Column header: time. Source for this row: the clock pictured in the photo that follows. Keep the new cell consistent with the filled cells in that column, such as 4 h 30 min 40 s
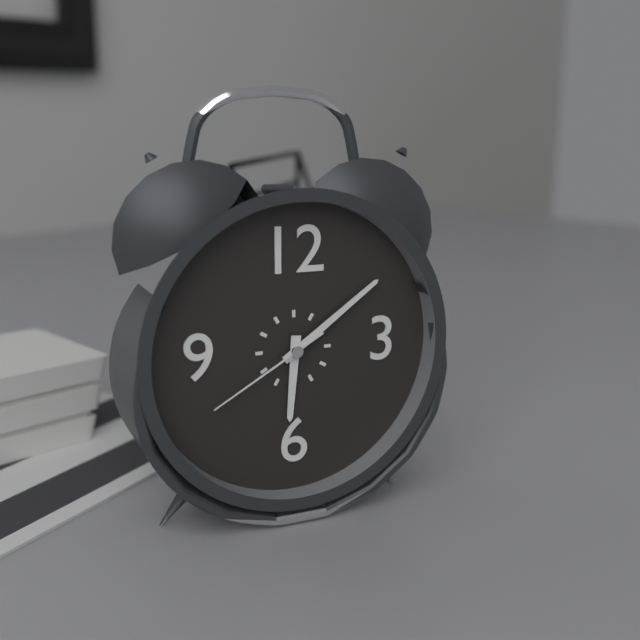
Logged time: 6 h 09 min 40 s
